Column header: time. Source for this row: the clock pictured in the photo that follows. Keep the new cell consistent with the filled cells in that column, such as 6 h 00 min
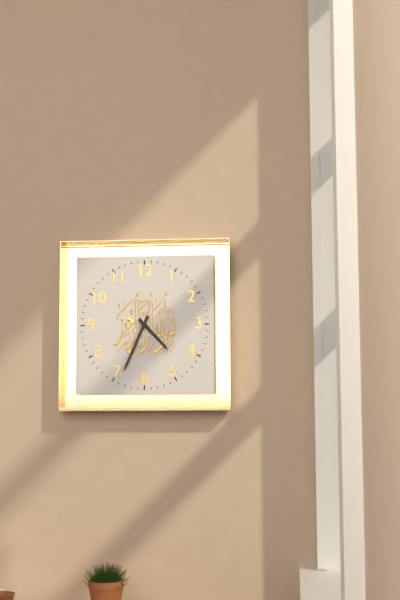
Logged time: 4 h 34 min
